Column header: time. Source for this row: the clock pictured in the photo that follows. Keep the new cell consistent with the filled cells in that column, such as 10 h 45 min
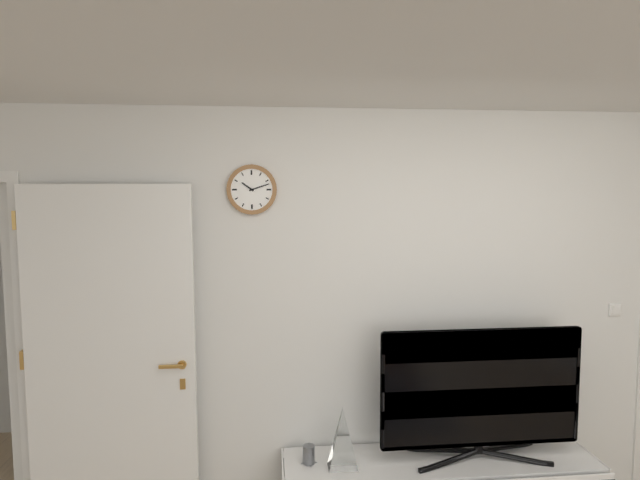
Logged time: 10 h 12 min
